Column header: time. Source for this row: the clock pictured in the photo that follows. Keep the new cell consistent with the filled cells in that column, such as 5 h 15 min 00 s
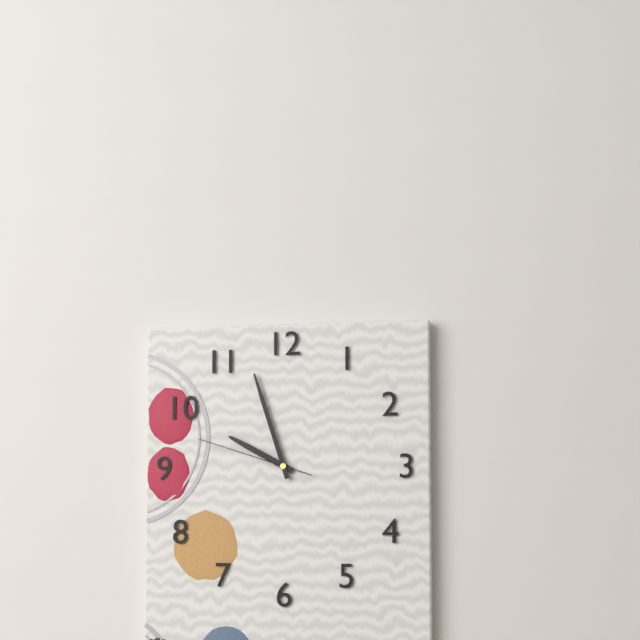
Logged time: 9 h 57 min 48 s
